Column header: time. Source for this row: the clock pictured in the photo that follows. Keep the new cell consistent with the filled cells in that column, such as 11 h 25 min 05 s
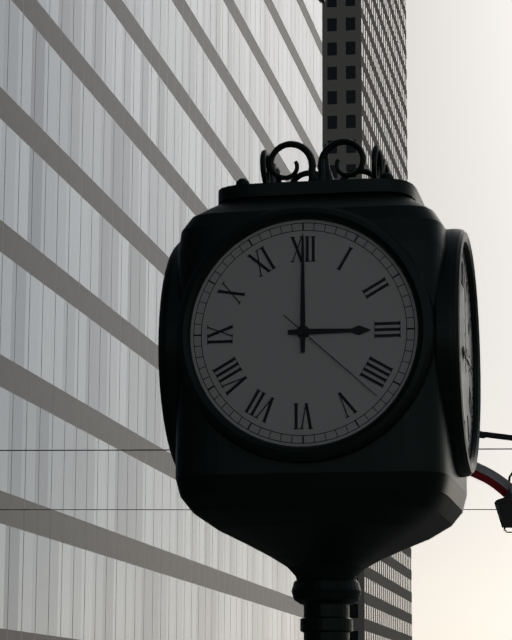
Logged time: 3 h 00 min 22 s
